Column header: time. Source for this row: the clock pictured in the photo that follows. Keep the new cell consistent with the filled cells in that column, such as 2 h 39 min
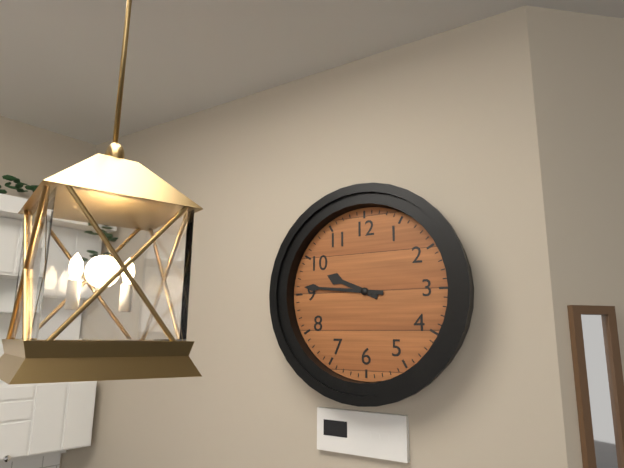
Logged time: 9 h 46 min
